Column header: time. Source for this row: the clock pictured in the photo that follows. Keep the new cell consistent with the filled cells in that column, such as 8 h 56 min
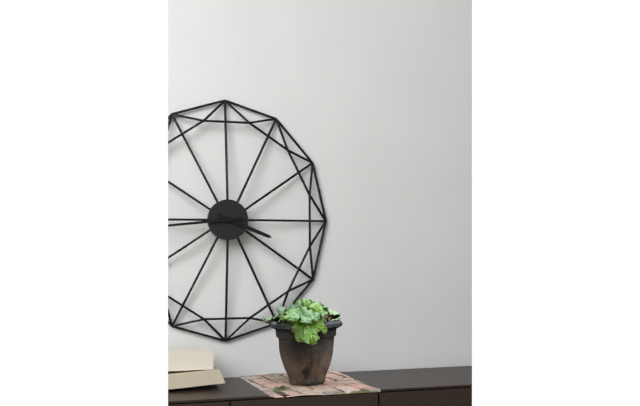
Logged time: 3 h 44 min
